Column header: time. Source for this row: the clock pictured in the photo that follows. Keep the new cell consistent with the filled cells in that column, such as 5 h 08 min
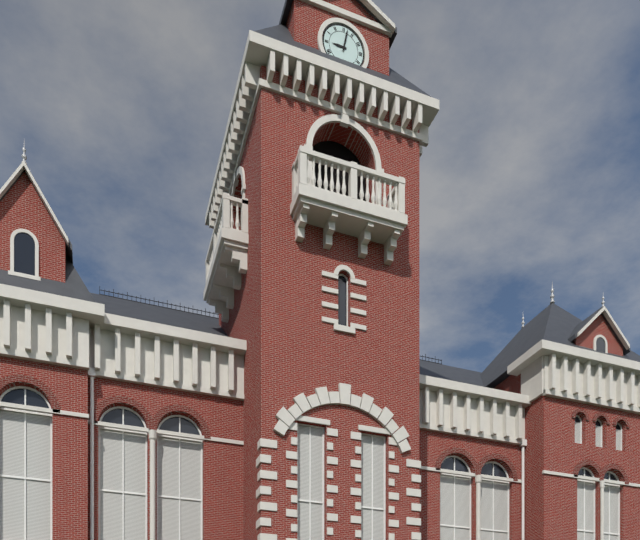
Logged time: 9 h 02 min
